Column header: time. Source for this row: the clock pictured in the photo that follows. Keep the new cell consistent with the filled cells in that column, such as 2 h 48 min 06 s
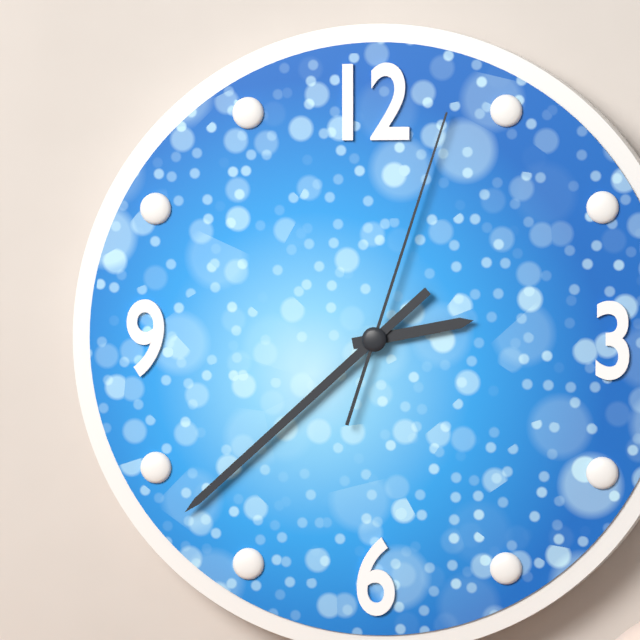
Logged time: 2 h 38 min 03 s
